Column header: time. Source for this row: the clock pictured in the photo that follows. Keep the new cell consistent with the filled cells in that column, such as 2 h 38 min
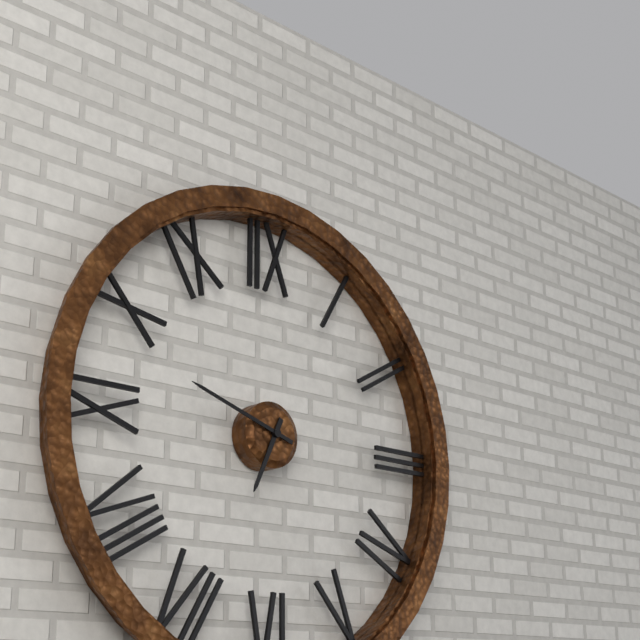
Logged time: 6 h 48 min
